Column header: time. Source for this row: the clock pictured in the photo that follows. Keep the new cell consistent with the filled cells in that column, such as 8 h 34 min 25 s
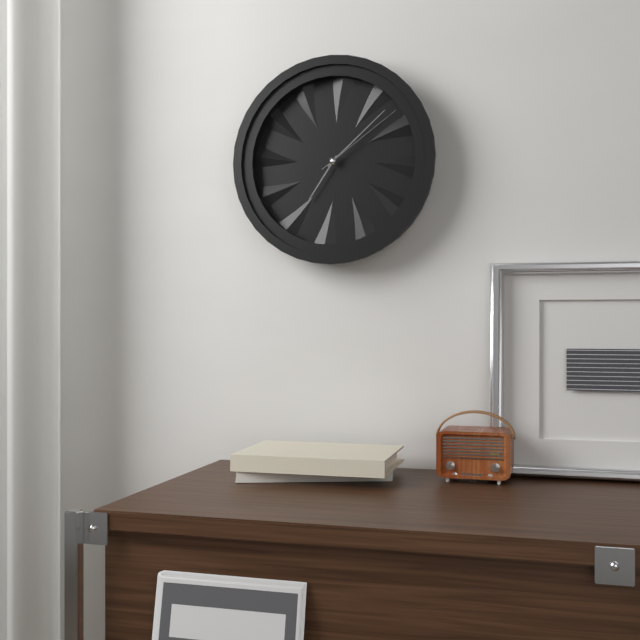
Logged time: 7 h 08 min 09 s
